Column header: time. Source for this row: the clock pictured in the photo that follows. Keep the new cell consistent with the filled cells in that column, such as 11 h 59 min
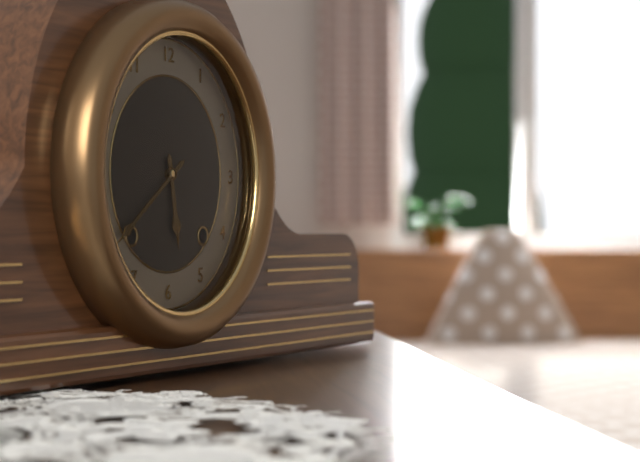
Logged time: 5 h 39 min
